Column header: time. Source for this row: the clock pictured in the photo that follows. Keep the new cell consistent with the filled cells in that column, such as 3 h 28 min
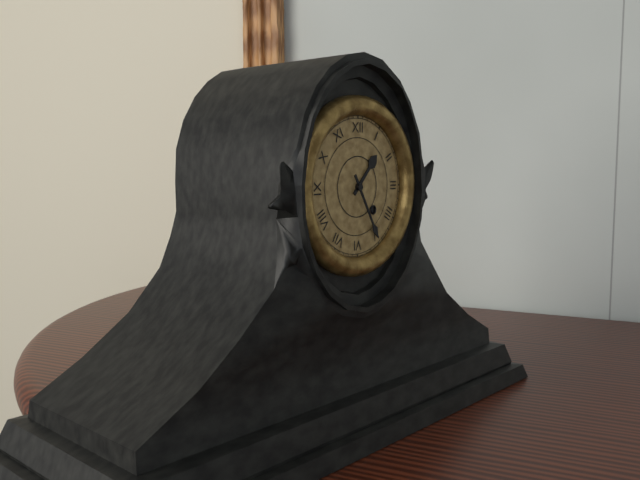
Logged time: 1 h 25 min
